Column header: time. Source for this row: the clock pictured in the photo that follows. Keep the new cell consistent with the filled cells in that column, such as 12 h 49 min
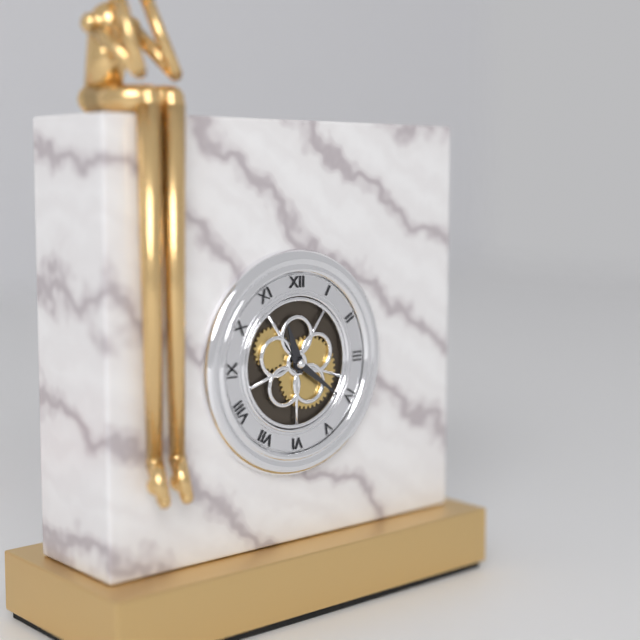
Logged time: 11 h 21 min
